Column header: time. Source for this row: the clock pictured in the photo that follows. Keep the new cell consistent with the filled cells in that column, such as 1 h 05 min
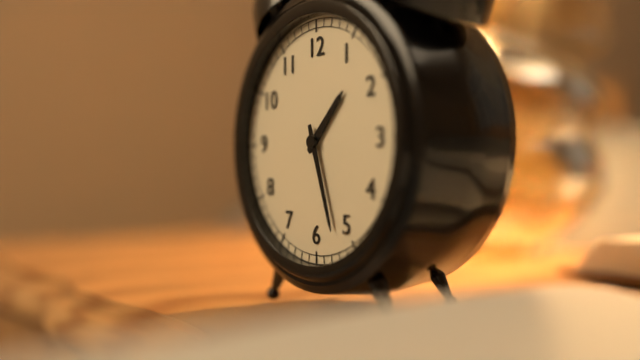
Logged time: 1 h 27 min
